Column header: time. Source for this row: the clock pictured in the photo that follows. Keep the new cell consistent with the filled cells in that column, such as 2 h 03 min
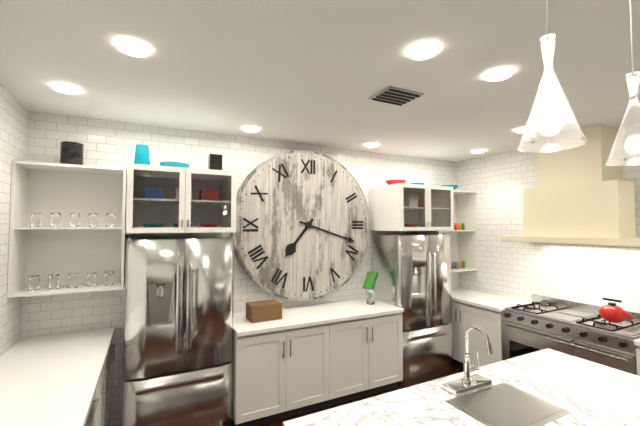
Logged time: 7 h 18 min
